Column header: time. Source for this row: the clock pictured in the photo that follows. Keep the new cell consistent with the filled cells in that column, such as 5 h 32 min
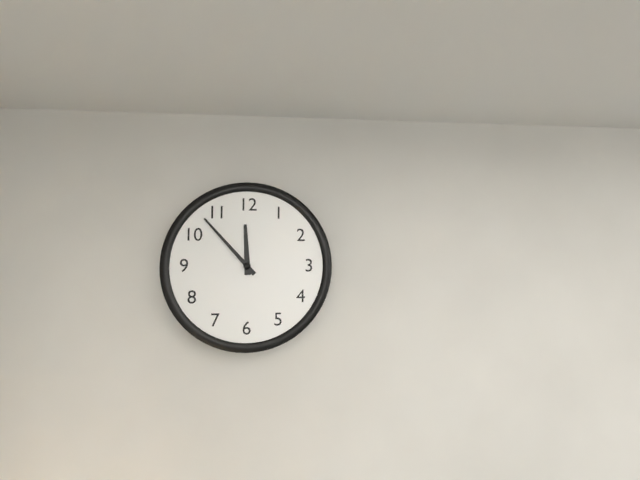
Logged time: 11 h 53 min
